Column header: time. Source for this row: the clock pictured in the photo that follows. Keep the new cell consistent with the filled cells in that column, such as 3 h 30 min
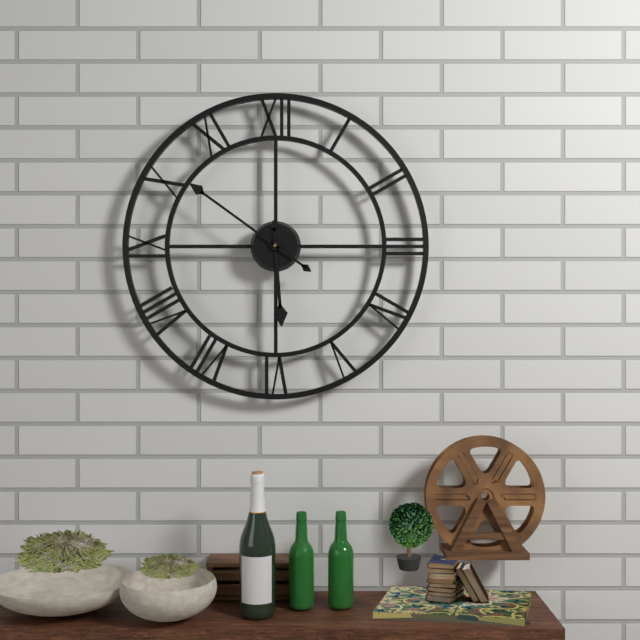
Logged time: 5 h 51 min
